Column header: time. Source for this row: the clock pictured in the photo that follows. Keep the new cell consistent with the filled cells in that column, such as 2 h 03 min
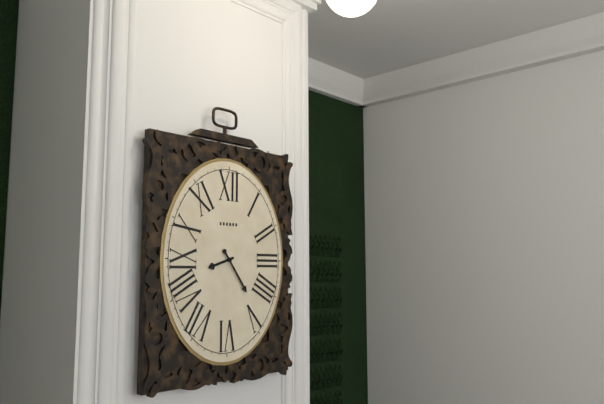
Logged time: 8 h 24 min
